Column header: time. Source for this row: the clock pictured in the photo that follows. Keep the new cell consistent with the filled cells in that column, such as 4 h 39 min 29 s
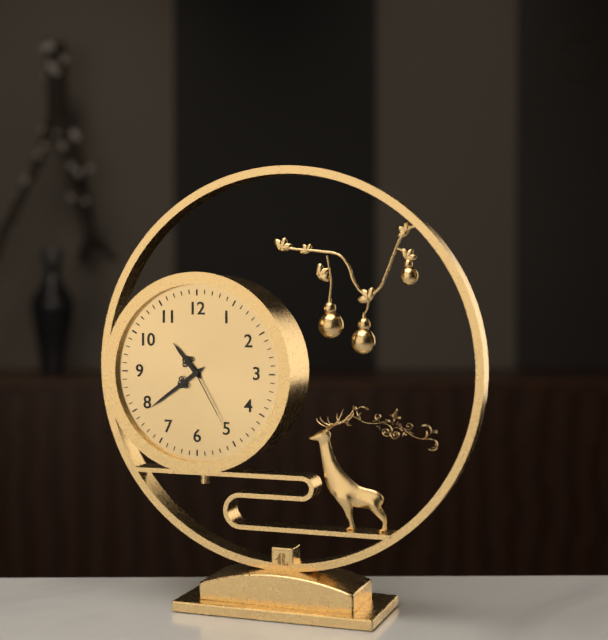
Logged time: 10 h 39 min 25 s
